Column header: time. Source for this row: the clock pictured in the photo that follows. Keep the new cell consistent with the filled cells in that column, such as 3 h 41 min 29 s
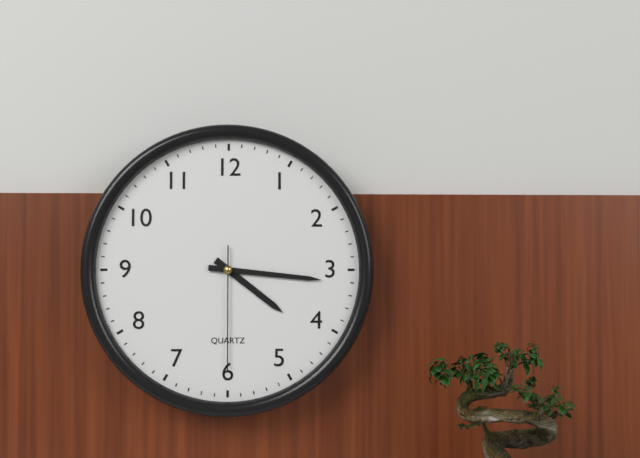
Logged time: 4 h 16 min 30 s
